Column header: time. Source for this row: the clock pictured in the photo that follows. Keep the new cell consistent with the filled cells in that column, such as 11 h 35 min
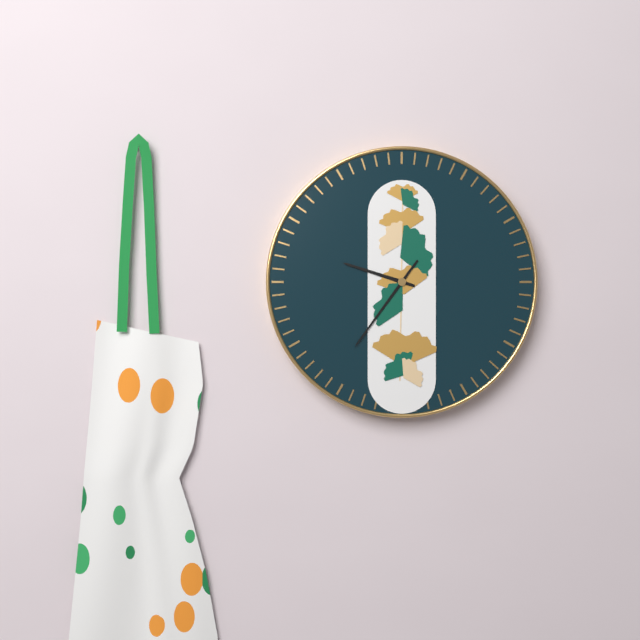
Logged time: 9 h 36 min
